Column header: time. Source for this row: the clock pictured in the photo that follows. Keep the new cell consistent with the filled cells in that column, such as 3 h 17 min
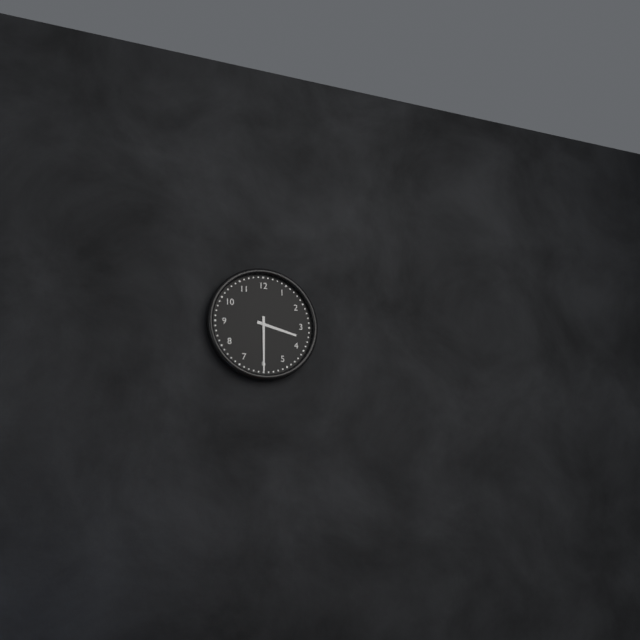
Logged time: 3 h 30 min
